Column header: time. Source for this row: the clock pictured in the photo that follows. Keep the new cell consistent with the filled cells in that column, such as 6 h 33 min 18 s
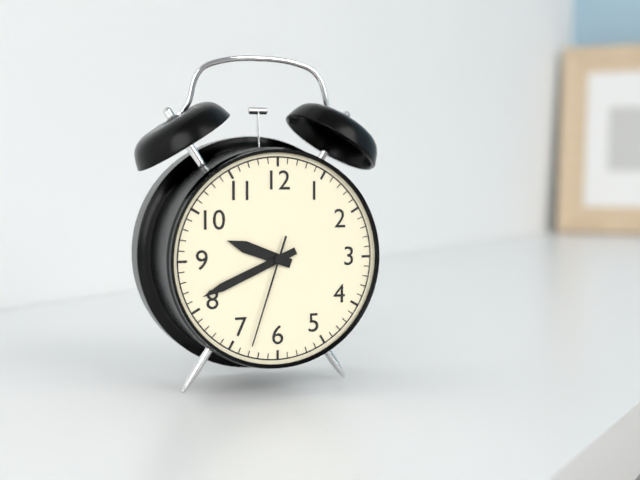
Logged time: 9 h 41 min 33 s
